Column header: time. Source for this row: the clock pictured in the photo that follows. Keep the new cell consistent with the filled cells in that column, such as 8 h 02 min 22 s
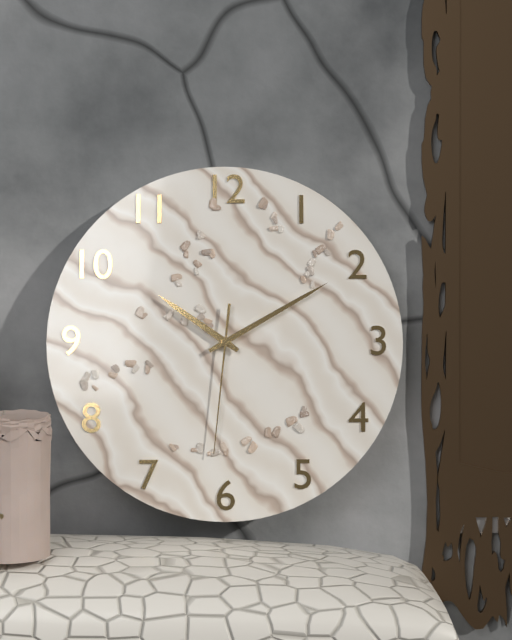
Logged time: 10 h 10 min 31 s
